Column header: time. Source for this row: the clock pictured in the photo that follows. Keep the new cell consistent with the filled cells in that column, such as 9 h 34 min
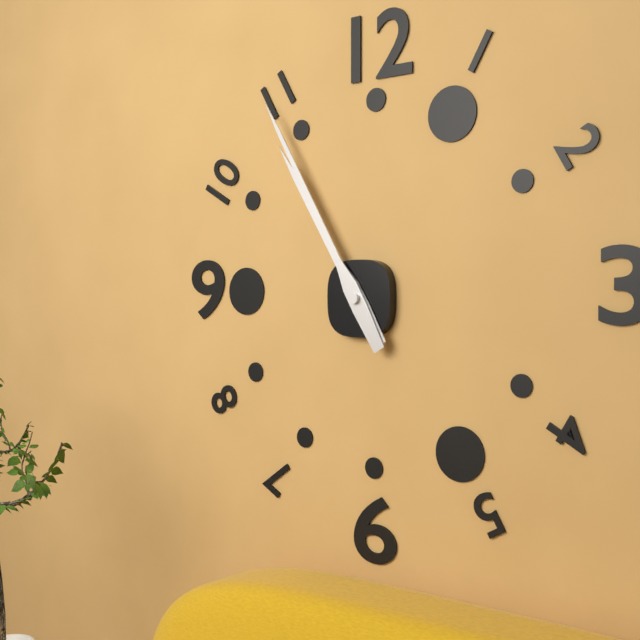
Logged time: 10 h 55 min
